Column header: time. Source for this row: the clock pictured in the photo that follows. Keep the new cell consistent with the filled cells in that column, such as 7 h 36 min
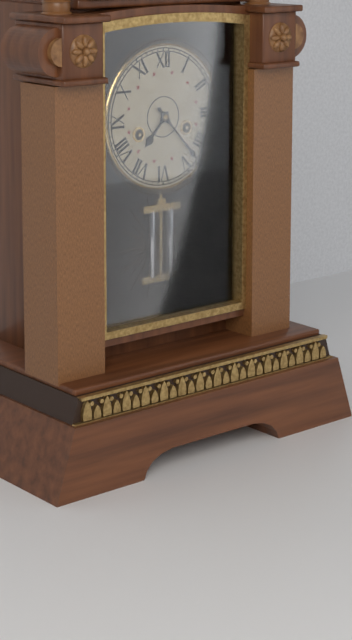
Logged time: 7 h 23 min
